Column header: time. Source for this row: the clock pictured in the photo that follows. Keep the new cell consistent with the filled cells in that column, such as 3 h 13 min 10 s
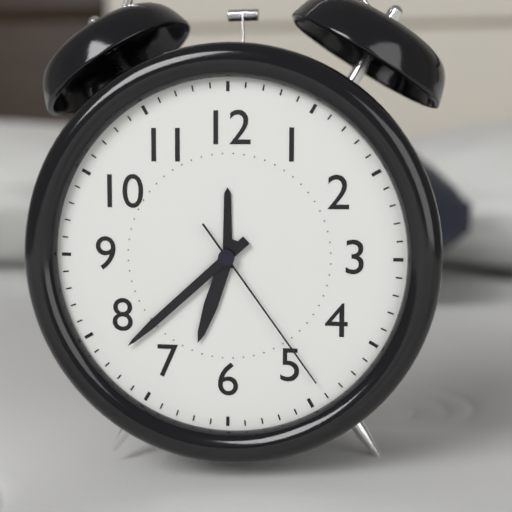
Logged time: 6 h 38 min 24 s
